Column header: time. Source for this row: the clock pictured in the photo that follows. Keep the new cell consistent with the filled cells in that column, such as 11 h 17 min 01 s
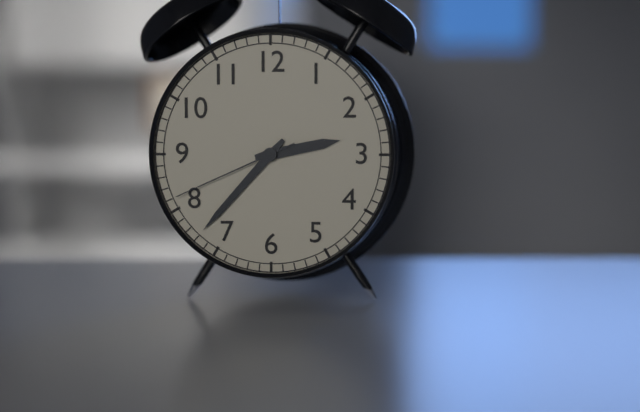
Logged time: 2 h 37 min 41 s
